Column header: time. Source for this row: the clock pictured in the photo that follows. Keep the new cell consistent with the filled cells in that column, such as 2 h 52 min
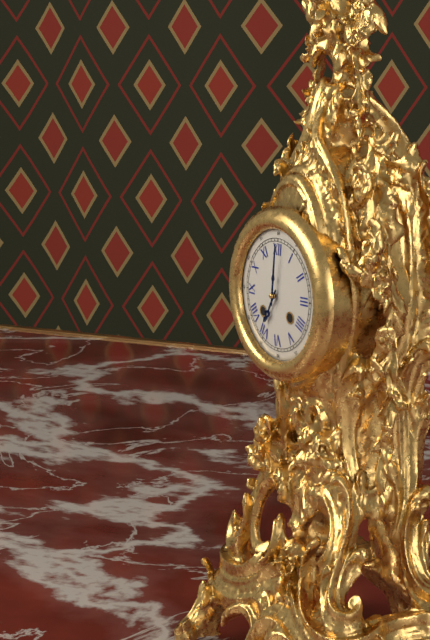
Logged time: 7 h 01 min
